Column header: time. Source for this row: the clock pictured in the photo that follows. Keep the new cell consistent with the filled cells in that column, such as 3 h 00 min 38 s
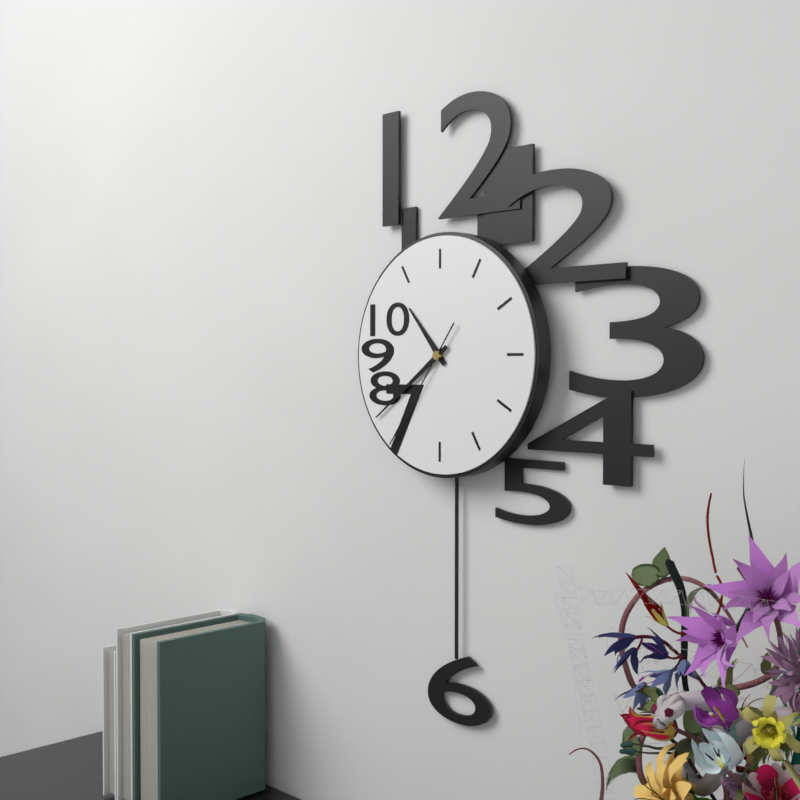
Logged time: 10 h 39 min 36 s
